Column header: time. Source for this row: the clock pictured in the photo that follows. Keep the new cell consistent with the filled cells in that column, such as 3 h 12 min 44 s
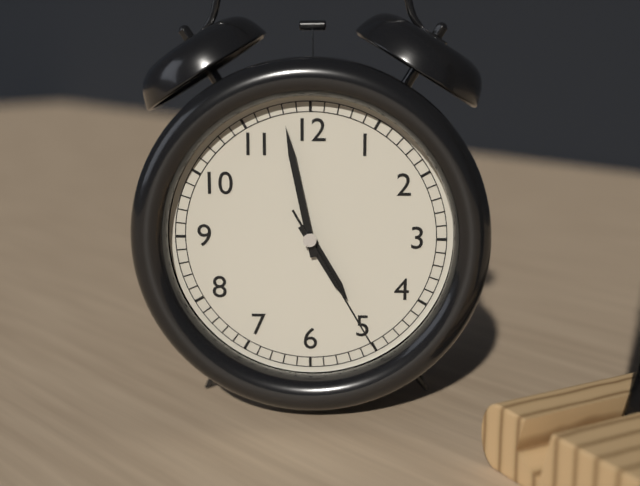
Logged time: 4 h 58 min 25 s
